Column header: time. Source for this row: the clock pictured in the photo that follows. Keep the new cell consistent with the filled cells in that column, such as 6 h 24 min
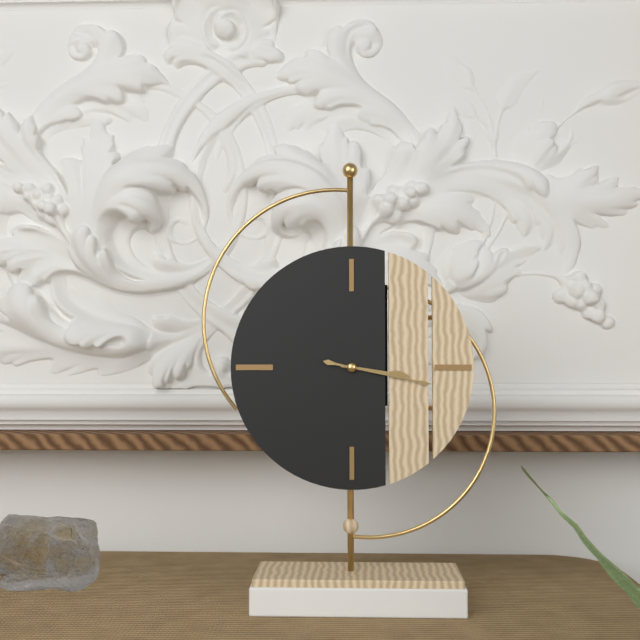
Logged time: 3 h 17 min
